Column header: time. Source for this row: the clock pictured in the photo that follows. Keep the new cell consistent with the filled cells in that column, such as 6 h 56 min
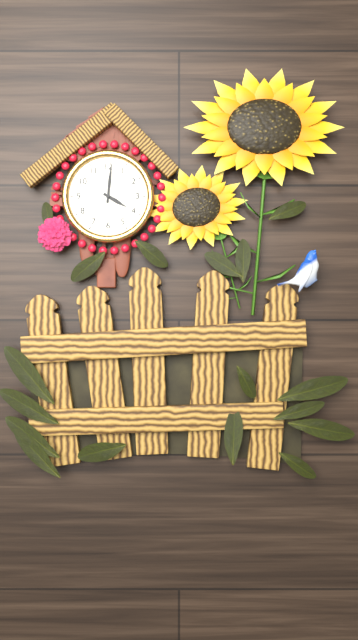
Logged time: 4 h 01 min
